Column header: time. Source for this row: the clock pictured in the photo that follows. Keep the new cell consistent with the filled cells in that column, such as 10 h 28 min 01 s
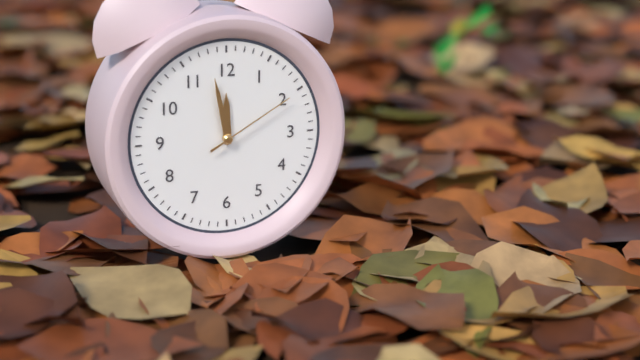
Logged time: 11 h 58 min 10 s
